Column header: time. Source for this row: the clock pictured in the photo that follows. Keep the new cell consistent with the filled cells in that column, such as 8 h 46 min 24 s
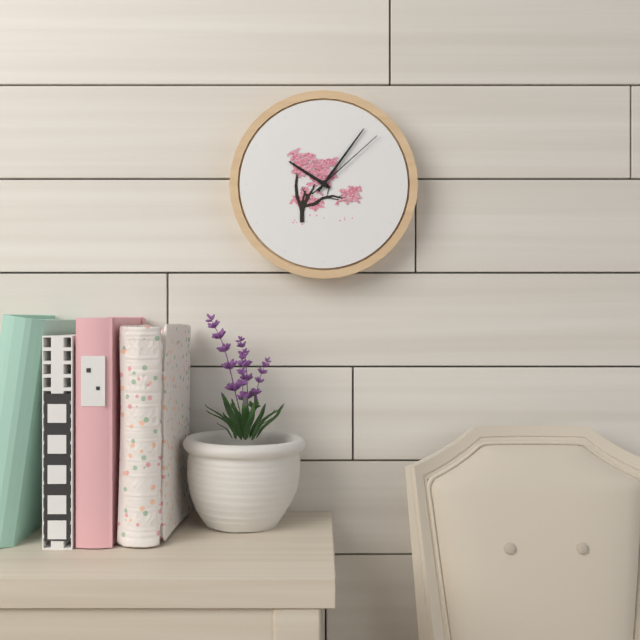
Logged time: 10 h 06 min 08 s
